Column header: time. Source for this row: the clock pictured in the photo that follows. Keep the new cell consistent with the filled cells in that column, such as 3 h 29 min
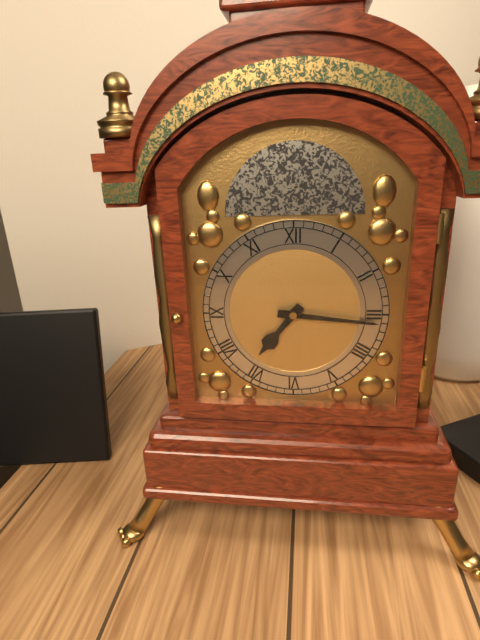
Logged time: 7 h 16 min
